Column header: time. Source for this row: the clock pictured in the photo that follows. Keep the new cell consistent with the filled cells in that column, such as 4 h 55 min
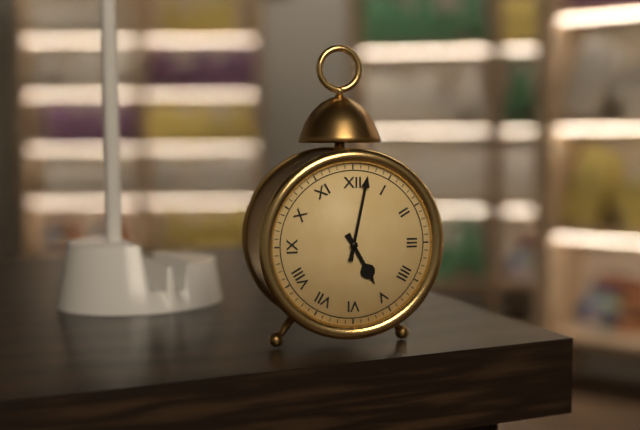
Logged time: 5 h 02 min
